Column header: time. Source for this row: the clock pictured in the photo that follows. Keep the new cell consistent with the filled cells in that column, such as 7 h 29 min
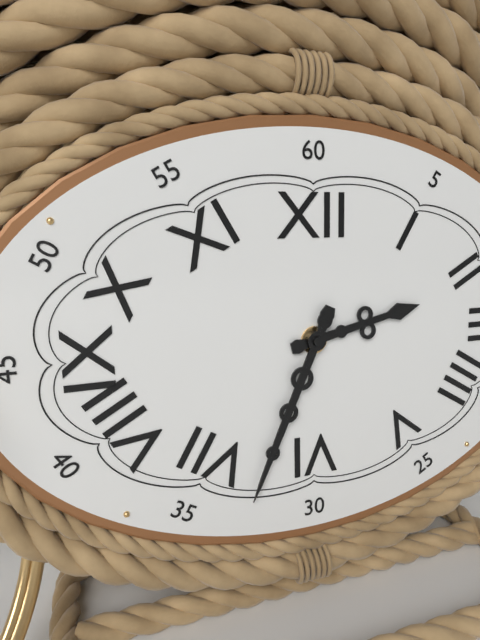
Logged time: 2 h 34 min
